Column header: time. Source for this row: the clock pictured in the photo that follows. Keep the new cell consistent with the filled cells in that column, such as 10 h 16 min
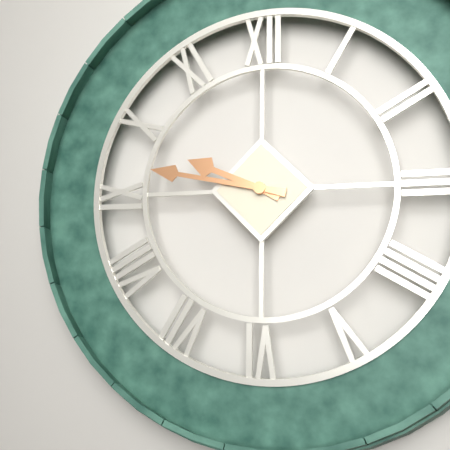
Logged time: 9 h 47 min
